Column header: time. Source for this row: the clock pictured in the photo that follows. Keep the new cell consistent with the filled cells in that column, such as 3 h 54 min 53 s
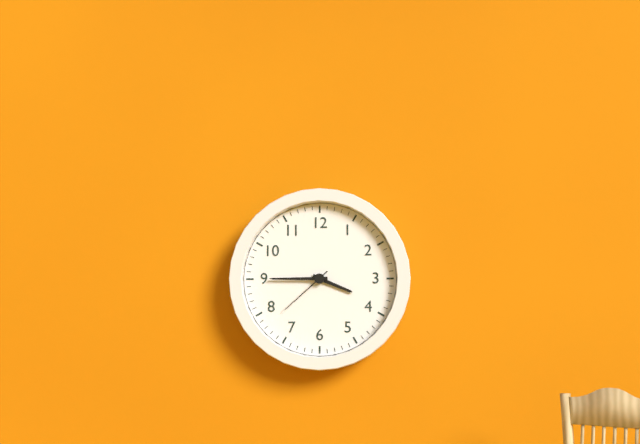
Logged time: 3 h 45 min 38 s
